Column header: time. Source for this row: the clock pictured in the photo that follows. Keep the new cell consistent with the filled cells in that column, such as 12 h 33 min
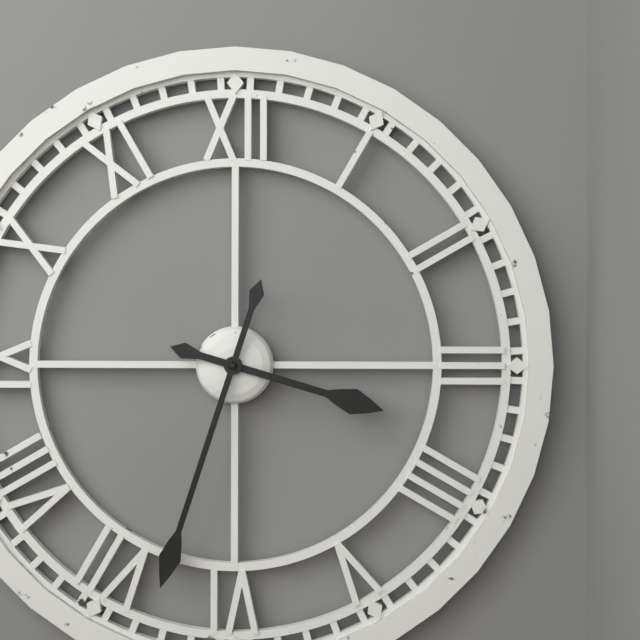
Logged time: 3 h 33 min
